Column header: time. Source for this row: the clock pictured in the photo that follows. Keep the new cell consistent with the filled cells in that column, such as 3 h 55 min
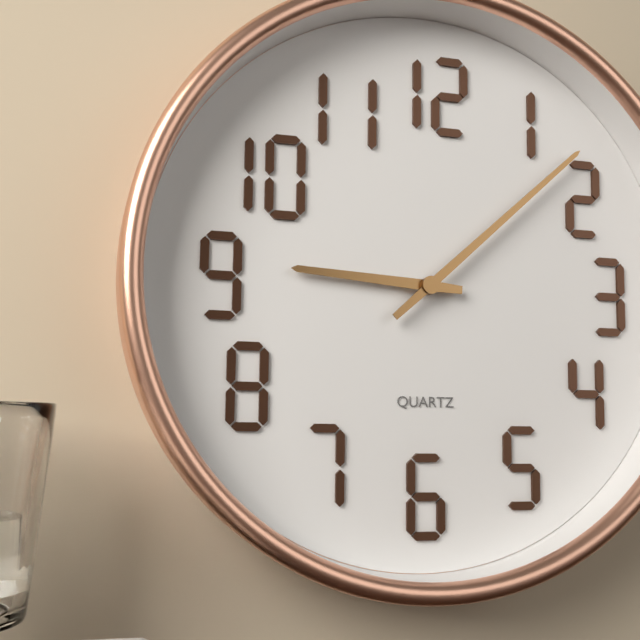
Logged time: 9 h 08 min
